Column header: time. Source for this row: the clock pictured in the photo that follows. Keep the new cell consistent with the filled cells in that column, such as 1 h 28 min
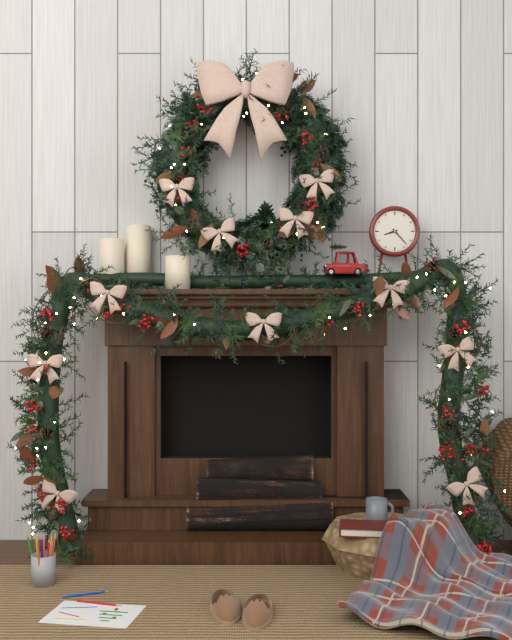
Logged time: 8 h 23 min
